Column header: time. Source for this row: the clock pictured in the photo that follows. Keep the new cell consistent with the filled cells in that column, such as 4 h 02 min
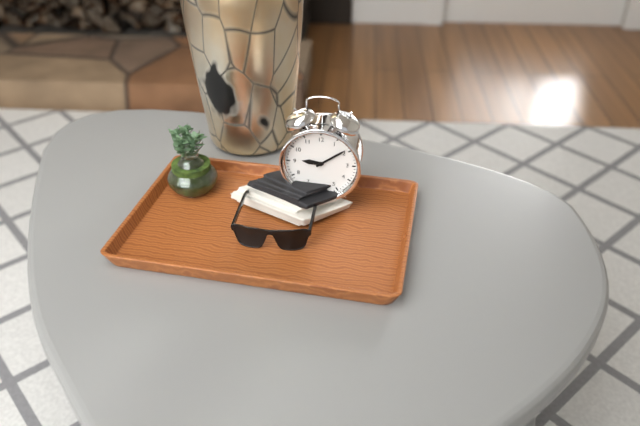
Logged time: 9 h 09 min
